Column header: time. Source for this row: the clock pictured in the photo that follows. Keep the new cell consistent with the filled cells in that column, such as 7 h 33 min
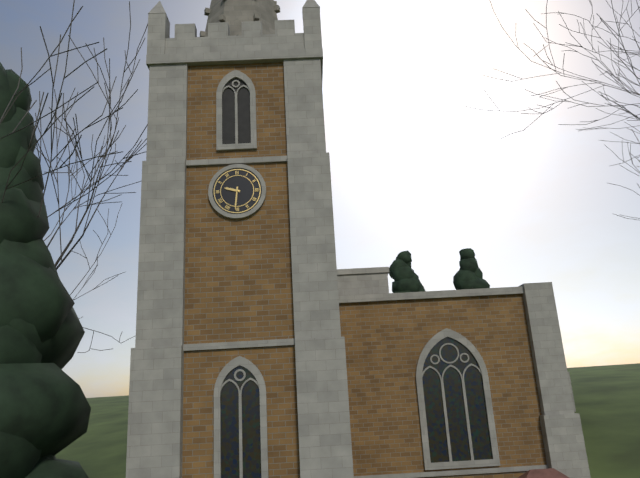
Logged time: 9 h 31 min
